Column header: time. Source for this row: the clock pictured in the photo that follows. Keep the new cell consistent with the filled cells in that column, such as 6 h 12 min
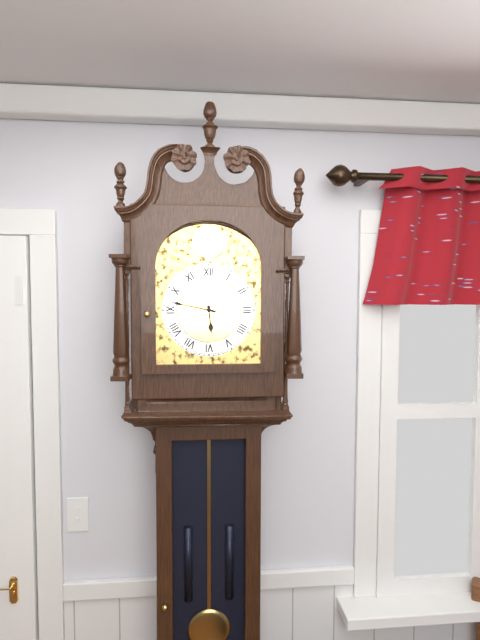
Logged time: 5 h 47 min
